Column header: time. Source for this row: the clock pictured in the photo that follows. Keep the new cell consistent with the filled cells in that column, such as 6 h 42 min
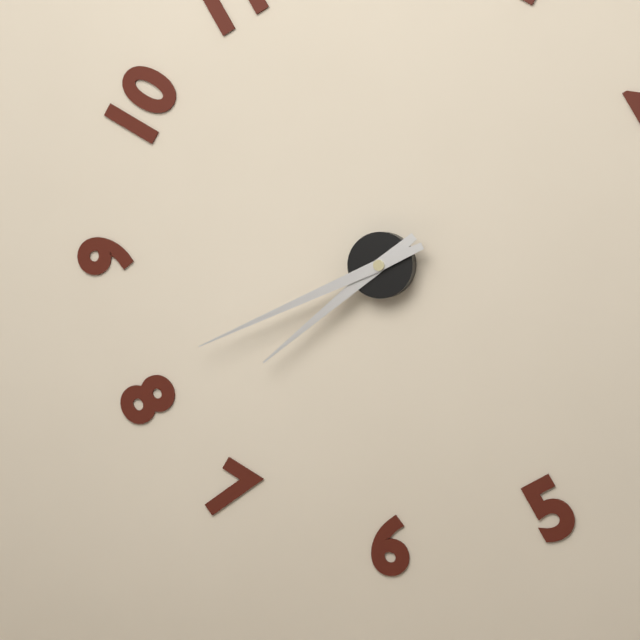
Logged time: 7 h 41 min
